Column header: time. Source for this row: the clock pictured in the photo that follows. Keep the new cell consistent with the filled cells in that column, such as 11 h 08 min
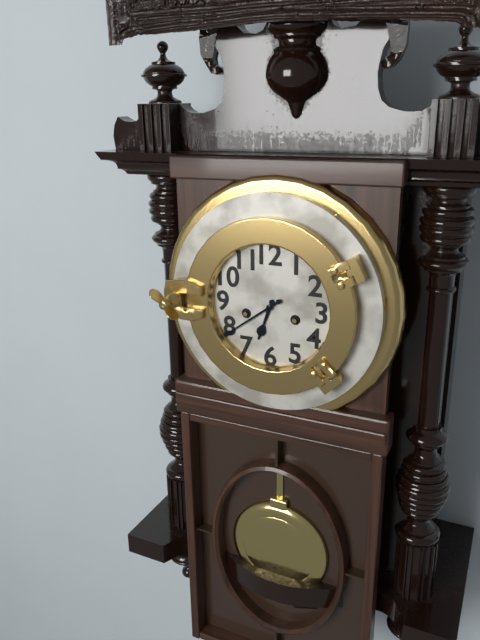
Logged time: 6 h 39 min
